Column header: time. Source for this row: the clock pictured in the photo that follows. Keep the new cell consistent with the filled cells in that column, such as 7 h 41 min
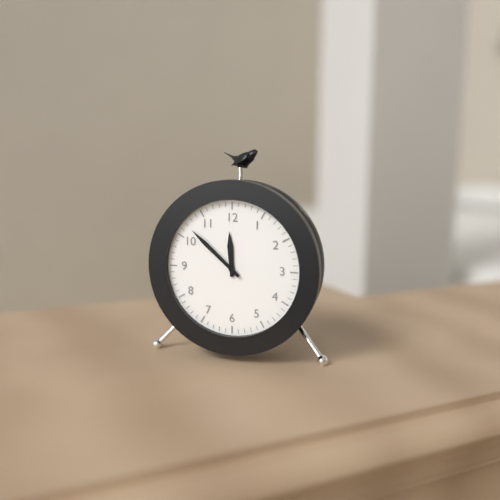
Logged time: 11 h 52 min
